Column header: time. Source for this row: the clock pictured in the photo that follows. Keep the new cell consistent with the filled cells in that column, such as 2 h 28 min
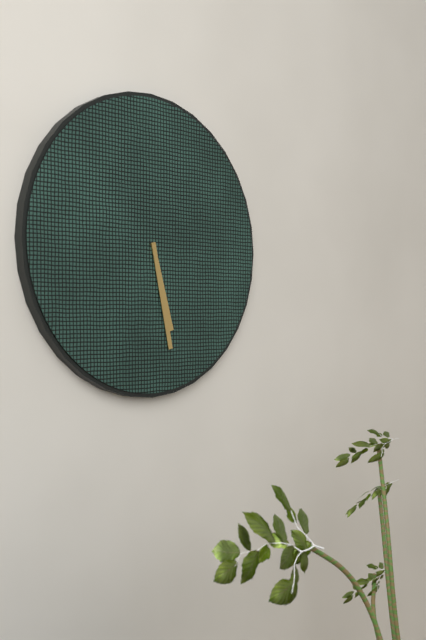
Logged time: 5 h 28 min
